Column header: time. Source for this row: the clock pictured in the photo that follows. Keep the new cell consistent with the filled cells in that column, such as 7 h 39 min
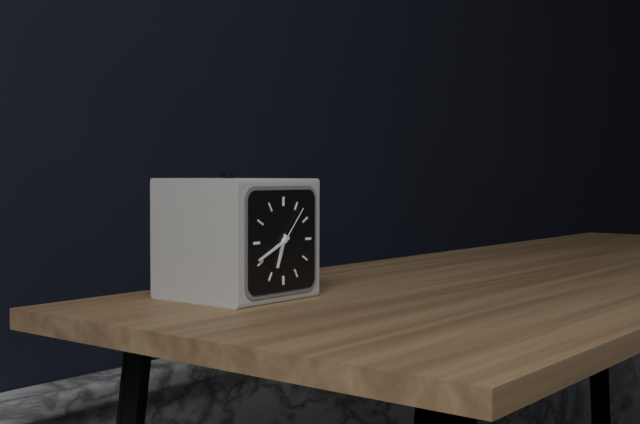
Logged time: 6 h 41 min
